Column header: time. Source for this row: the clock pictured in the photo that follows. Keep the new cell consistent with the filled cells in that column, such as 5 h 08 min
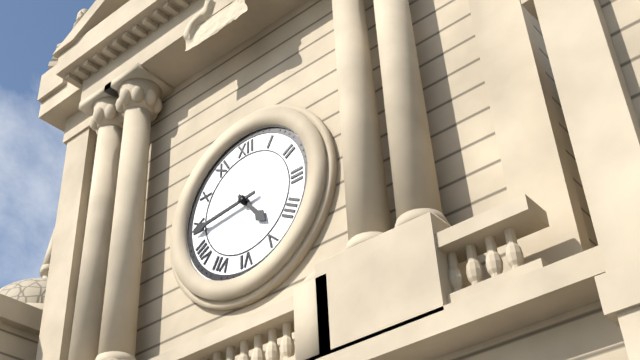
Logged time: 4 h 44 min
